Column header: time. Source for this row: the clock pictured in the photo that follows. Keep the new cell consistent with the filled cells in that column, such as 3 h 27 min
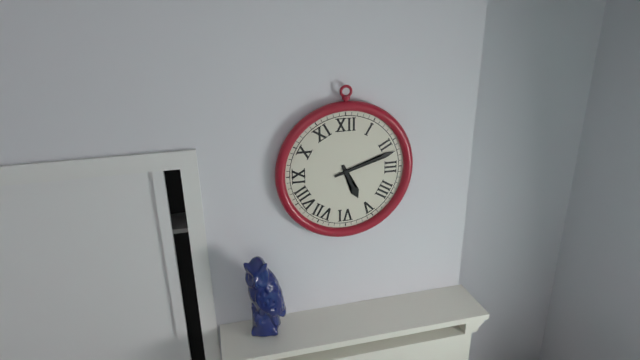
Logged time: 5 h 12 min
